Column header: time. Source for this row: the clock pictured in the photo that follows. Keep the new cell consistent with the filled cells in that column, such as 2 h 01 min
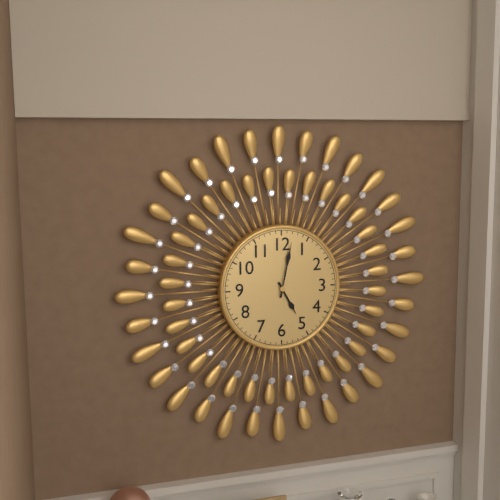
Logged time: 5 h 02 min
